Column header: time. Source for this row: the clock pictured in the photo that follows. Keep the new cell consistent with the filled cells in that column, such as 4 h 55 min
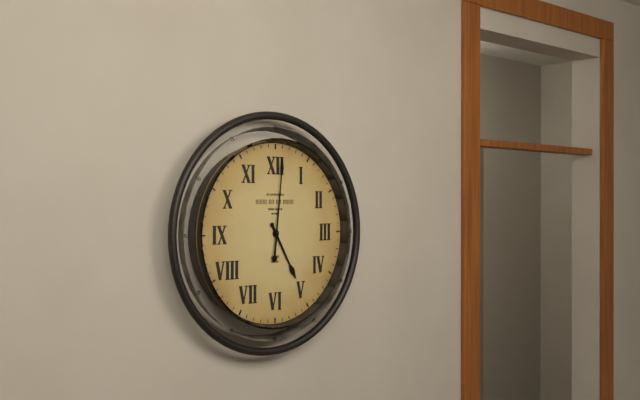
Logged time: 5 h 01 min
